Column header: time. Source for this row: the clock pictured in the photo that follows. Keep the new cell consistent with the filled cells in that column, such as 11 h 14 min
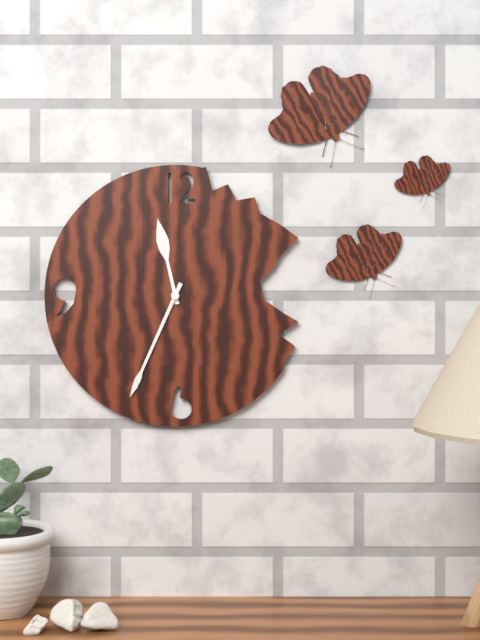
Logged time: 11 h 34 min
